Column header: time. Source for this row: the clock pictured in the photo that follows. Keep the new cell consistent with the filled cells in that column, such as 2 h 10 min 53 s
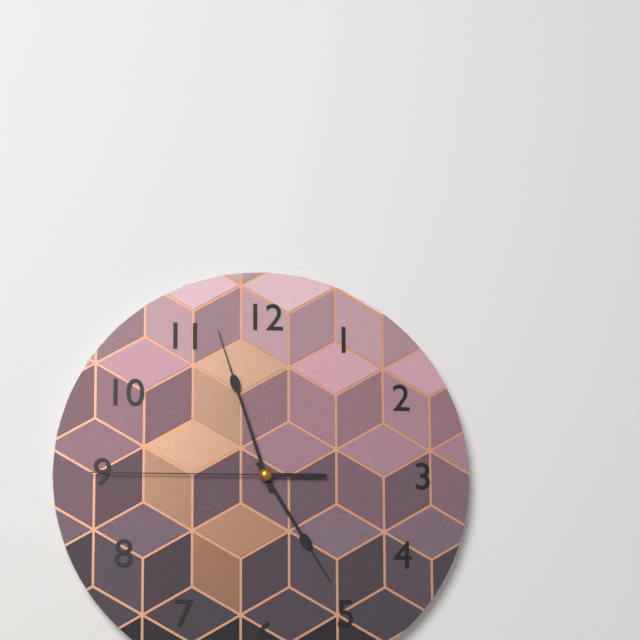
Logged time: 4 h 57 min 45 s
